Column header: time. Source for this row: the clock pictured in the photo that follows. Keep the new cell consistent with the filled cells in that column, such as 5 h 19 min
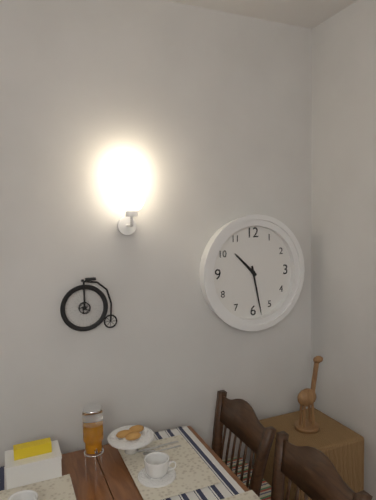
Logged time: 10 h 28 min
